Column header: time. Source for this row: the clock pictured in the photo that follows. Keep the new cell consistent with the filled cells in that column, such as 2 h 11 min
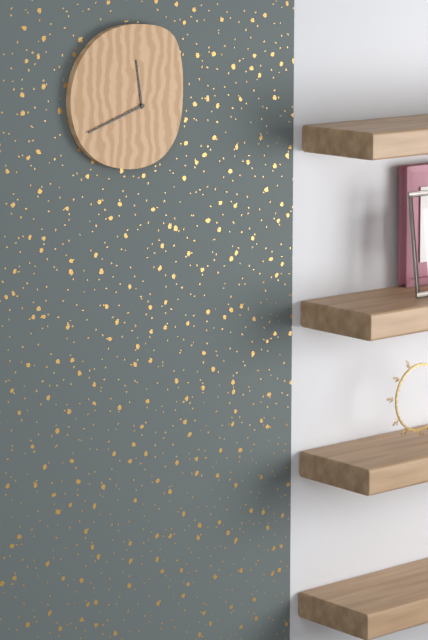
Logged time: 11 h 42 min
